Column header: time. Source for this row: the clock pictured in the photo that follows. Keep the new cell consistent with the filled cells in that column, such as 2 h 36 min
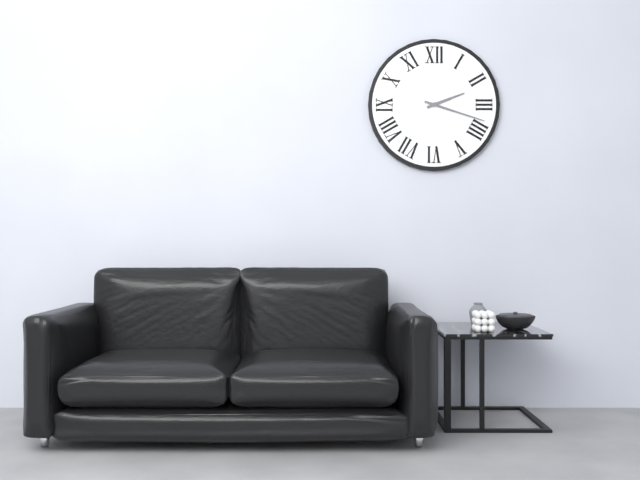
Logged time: 2 h 18 min
